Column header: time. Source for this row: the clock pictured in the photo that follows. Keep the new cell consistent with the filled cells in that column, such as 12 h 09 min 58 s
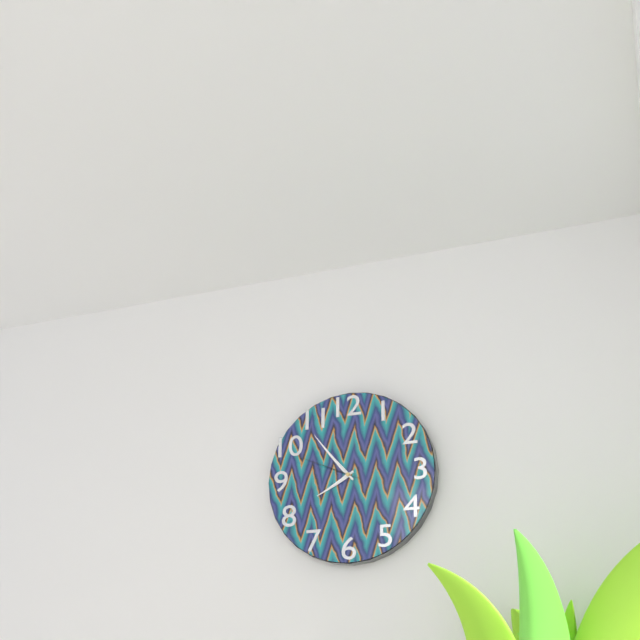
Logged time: 7 h 53 min 49 s
